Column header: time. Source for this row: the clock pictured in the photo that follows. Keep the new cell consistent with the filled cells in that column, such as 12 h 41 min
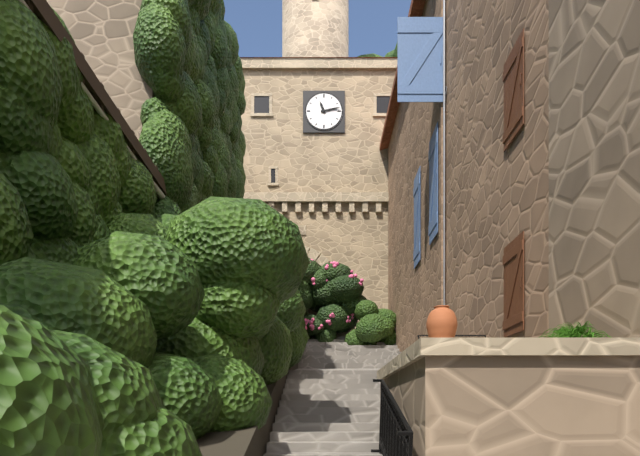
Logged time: 11 h 13 min
